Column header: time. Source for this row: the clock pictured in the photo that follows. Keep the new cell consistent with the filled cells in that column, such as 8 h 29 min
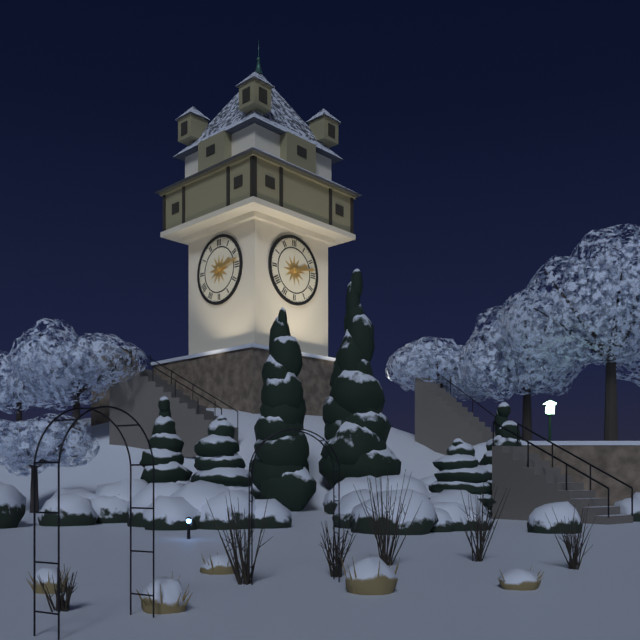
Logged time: 2 h 13 min
